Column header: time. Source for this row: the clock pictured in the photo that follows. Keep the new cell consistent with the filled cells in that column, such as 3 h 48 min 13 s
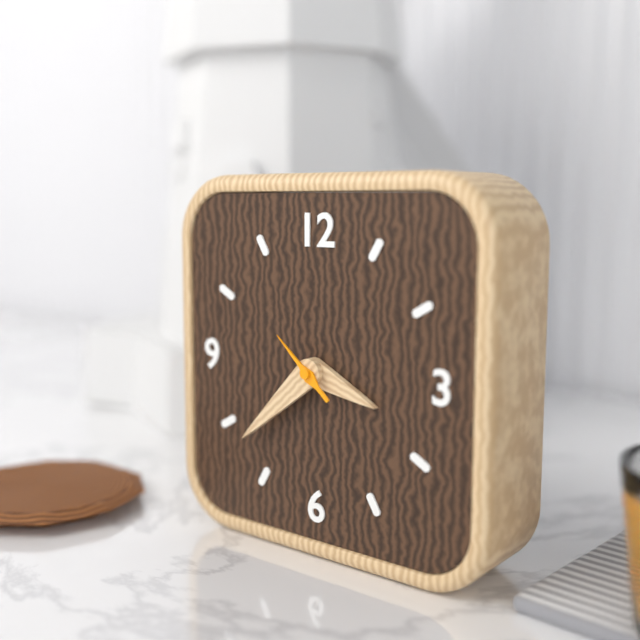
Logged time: 3 h 38 min 52 s
